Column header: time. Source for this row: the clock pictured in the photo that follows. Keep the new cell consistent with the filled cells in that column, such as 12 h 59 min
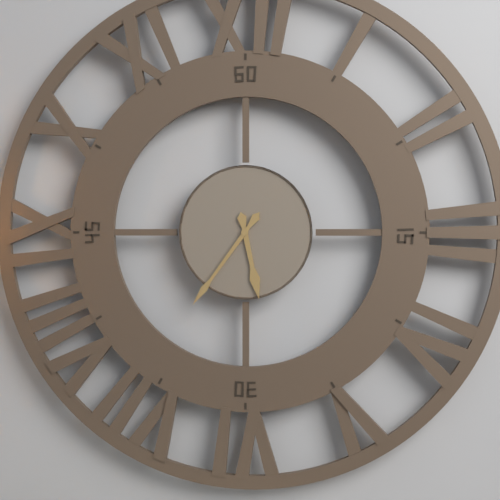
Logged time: 5 h 36 min
